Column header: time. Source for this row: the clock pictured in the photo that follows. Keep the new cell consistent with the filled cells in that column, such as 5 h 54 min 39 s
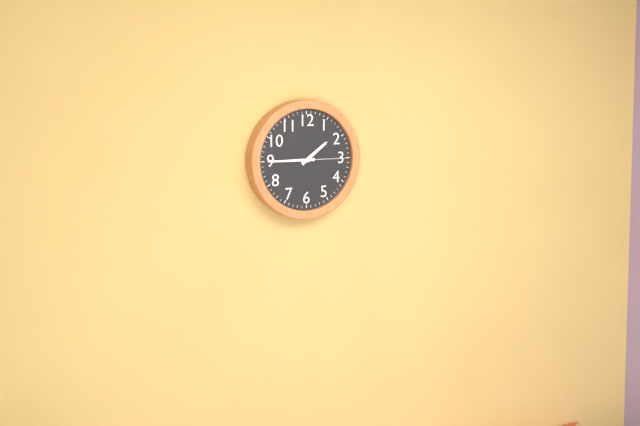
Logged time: 1 h 45 min 15 s
